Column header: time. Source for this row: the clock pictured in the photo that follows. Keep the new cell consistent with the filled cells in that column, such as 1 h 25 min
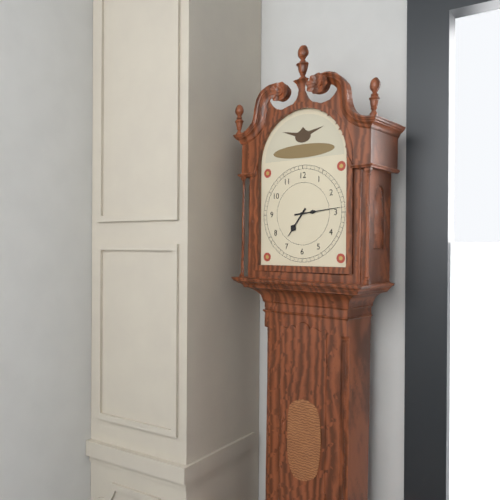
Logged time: 7 h 14 min
